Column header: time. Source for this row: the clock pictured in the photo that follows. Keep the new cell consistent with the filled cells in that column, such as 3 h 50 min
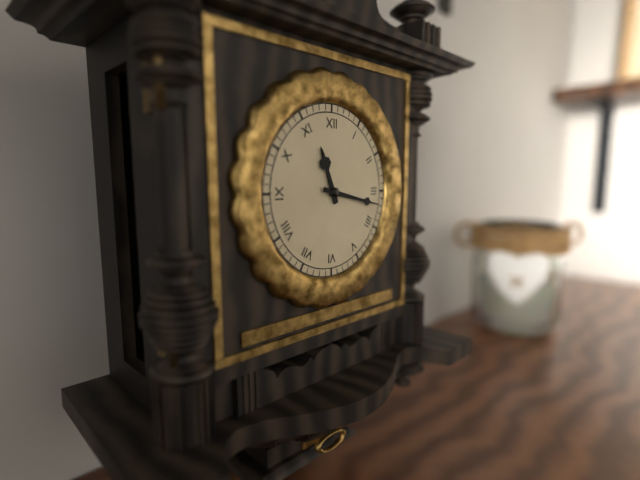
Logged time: 11 h 17 min
